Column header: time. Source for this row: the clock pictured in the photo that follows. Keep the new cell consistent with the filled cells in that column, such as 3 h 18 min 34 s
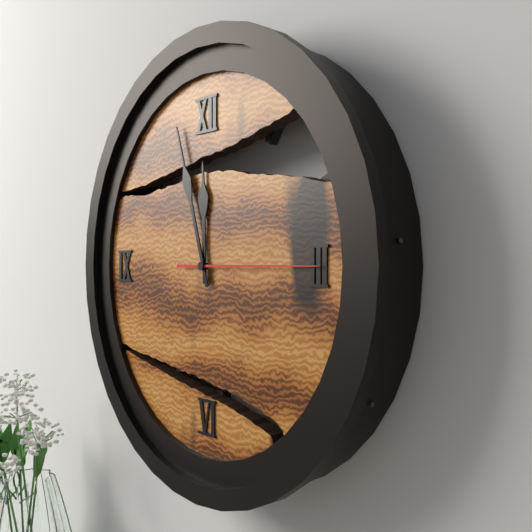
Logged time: 11 h 57 min 15 s
